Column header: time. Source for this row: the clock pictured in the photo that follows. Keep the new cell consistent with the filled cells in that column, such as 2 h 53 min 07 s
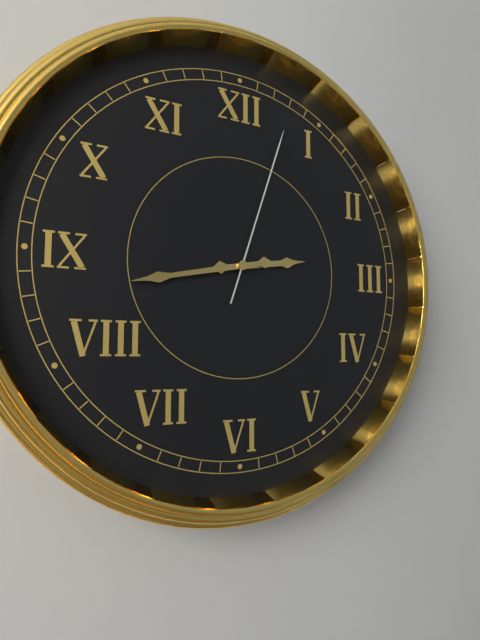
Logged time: 2 h 43 min 03 s
